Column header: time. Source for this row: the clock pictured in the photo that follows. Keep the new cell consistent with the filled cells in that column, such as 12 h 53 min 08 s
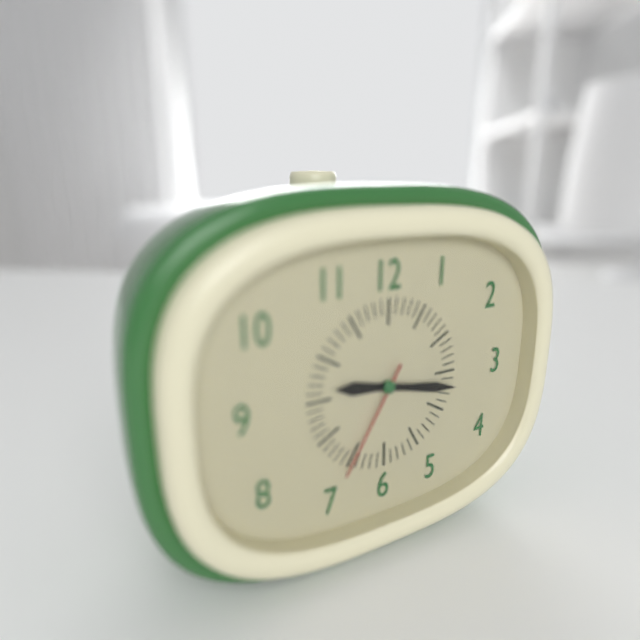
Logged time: 9 h 17 min 35 s
